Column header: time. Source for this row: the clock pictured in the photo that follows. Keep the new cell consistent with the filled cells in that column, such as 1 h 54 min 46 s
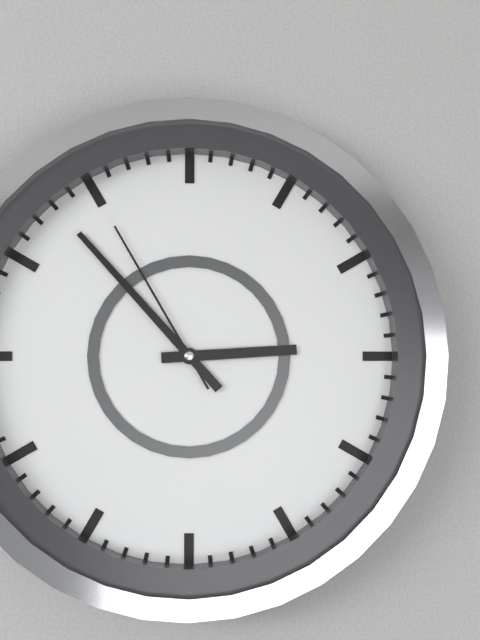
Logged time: 2 h 53 min 55 s
